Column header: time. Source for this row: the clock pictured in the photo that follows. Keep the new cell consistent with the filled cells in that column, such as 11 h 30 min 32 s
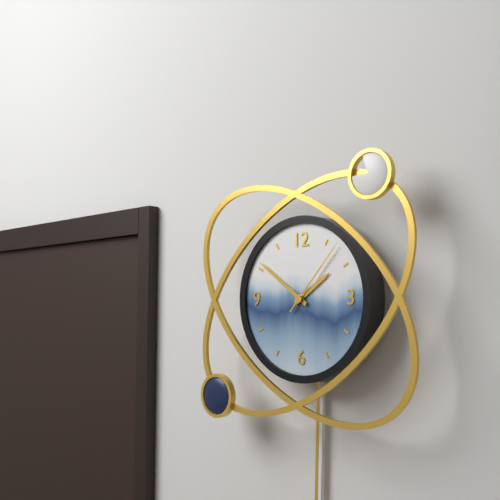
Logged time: 1 h 51 min 07 s
